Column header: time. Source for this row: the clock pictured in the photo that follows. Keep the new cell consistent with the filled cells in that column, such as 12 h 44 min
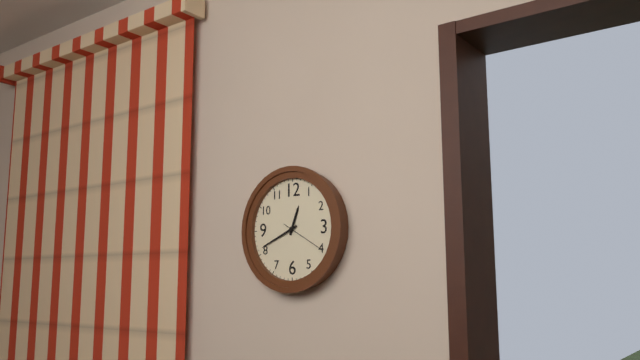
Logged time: 12 h 41 min
